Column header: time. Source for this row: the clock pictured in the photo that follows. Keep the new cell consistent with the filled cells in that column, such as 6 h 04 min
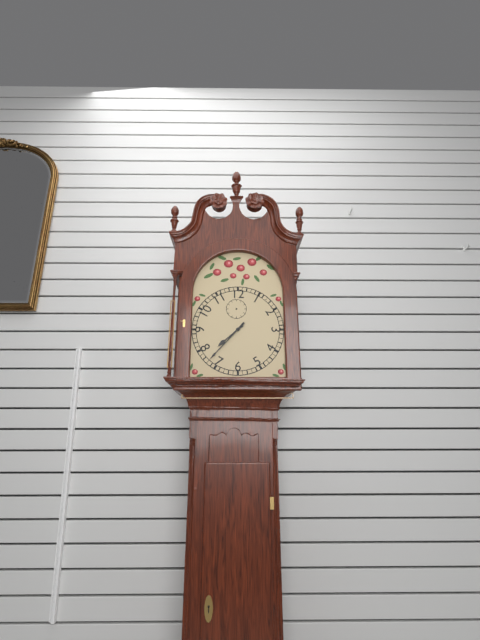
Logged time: 7 h 37 min
